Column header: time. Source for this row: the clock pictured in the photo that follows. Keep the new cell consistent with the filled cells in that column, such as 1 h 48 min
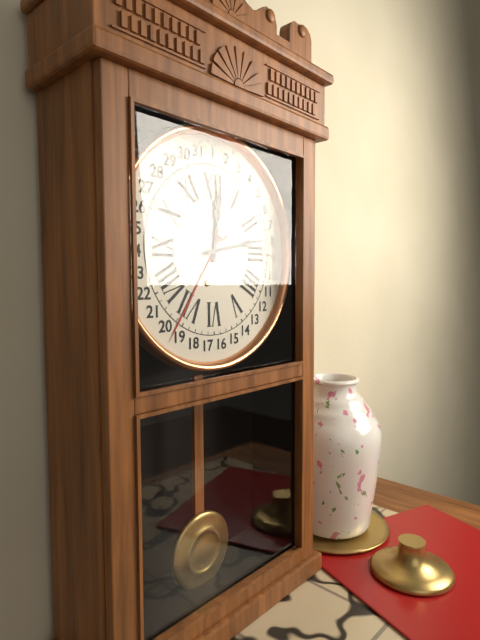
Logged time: 12 h 13 min
